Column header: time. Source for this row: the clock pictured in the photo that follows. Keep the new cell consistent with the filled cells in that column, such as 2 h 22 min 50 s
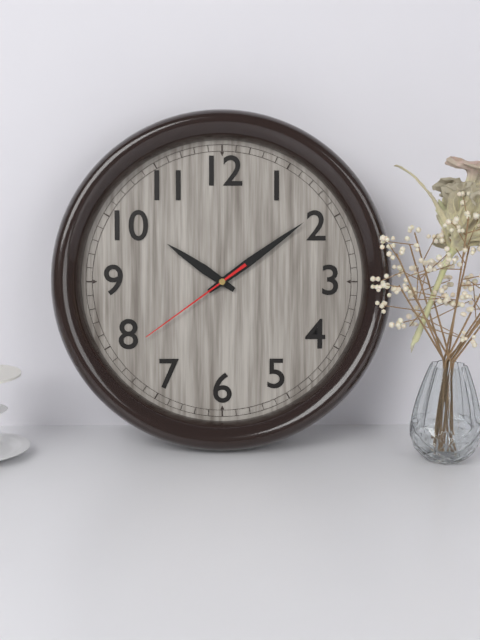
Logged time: 10 h 09 min 39 s
